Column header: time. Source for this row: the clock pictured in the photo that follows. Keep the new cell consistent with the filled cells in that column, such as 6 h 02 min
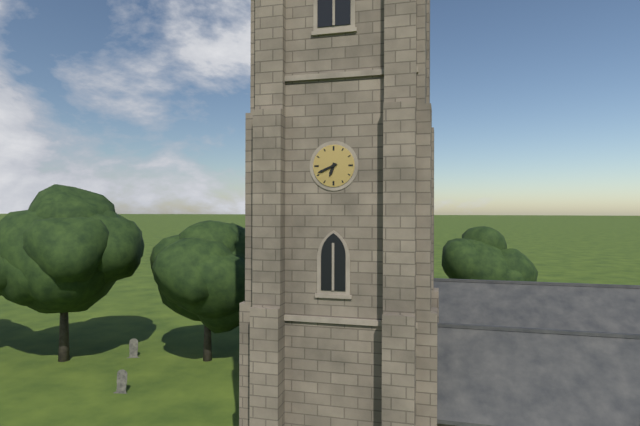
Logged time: 6 h 41 min
